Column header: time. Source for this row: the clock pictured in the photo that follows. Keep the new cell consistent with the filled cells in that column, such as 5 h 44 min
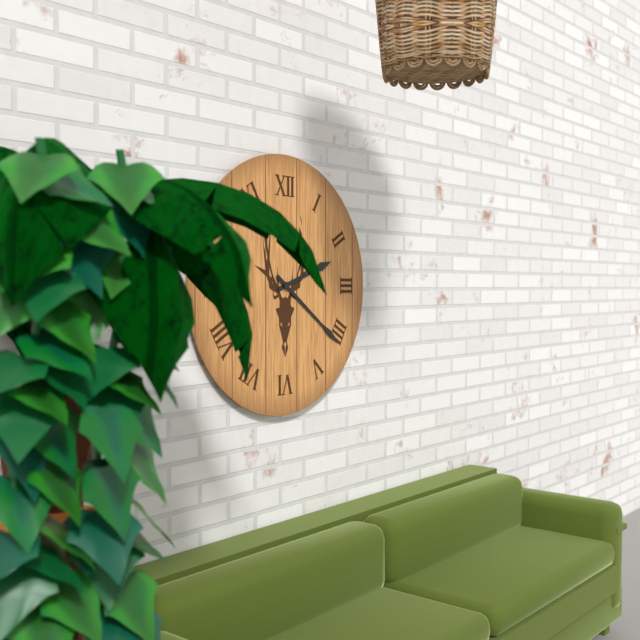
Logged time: 2 h 21 min
